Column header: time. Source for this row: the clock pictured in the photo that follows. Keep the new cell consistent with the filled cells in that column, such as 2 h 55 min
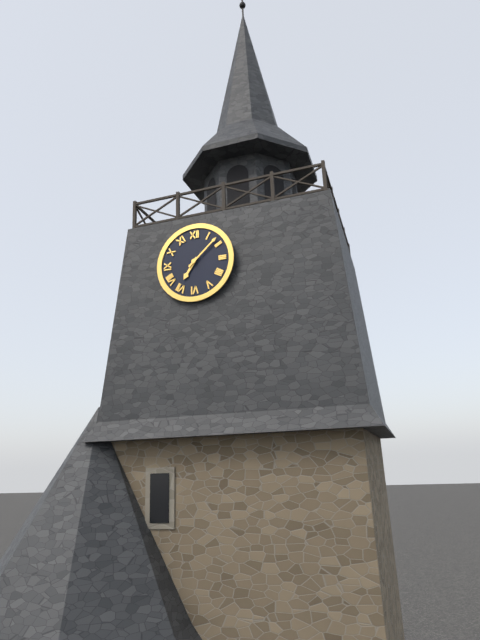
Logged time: 7 h 08 min
